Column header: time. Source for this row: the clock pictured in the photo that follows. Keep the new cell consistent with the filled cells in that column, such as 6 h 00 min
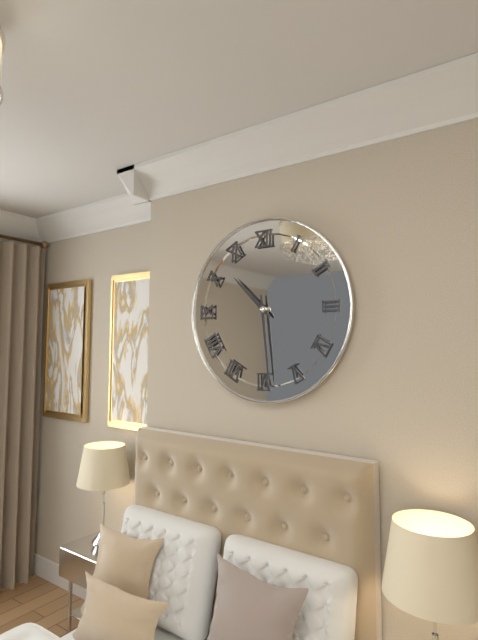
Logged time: 10 h 29 min
